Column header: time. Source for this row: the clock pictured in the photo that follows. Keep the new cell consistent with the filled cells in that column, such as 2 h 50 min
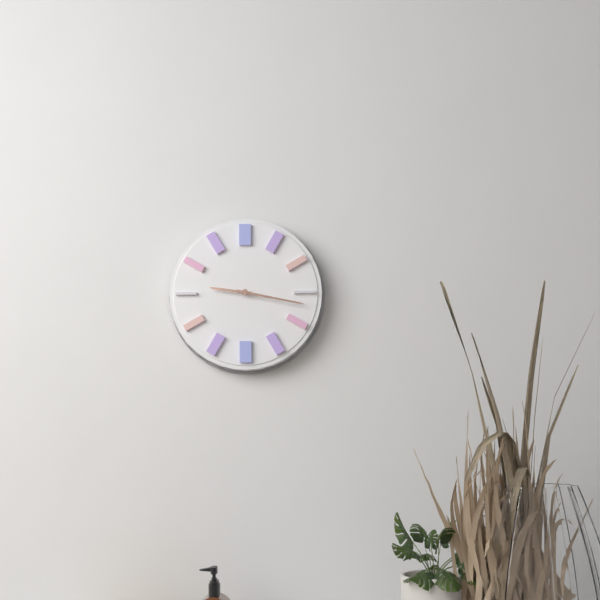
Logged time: 9 h 17 min
